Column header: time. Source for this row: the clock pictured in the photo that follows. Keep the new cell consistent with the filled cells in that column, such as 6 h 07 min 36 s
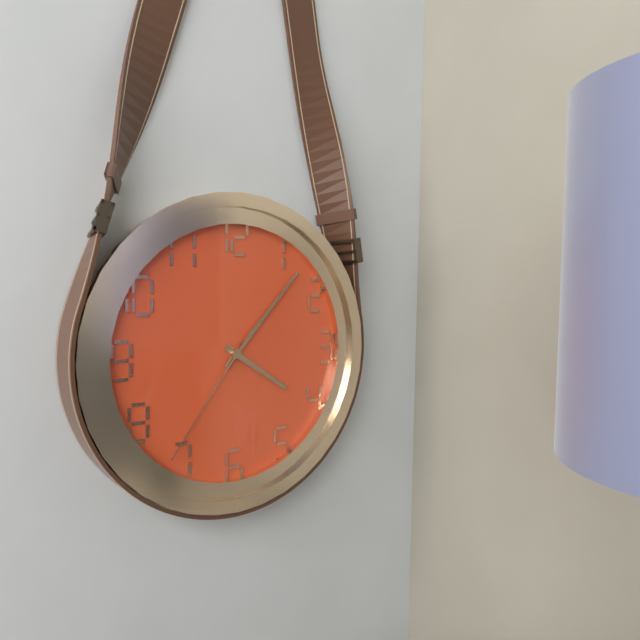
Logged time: 4 h 07 min 36 s
